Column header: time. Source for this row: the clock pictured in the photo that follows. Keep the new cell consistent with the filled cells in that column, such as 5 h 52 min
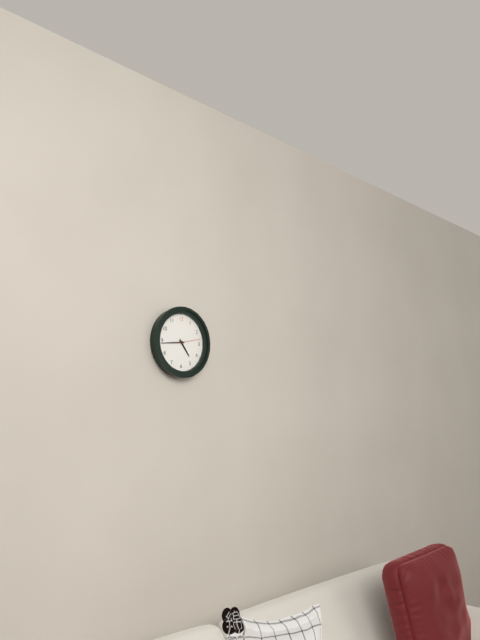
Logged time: 4 h 44 min
